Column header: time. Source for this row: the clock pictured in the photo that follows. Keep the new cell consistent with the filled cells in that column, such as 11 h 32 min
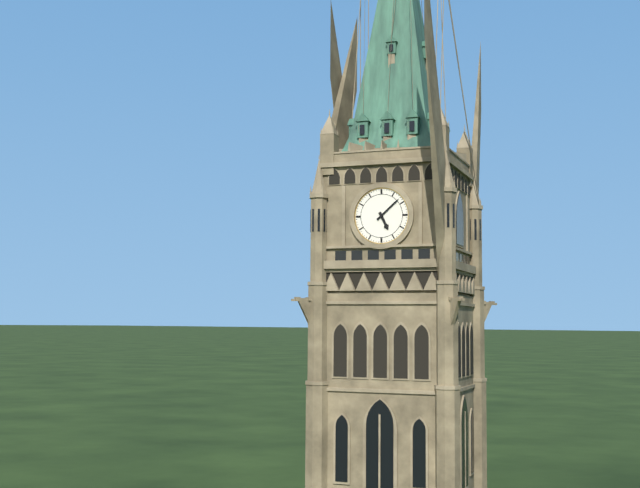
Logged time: 5 h 08 min
